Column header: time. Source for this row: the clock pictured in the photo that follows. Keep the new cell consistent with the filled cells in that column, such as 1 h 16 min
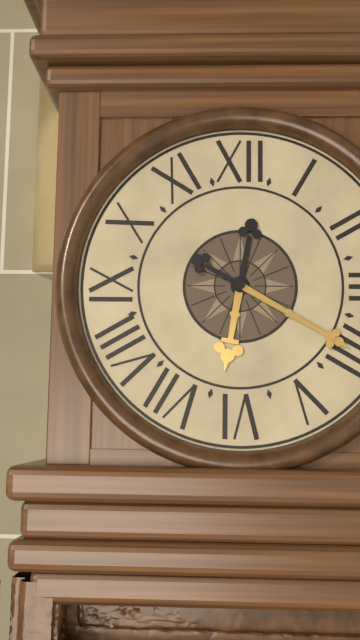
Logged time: 6 h 20 min
